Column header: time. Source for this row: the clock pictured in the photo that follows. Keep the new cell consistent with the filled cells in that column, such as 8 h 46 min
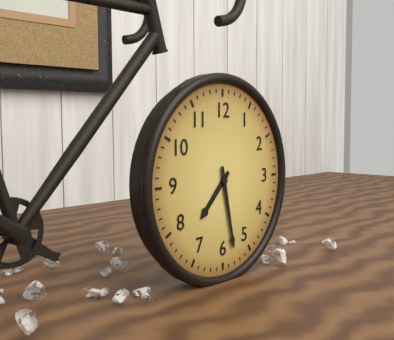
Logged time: 7 h 28 min
